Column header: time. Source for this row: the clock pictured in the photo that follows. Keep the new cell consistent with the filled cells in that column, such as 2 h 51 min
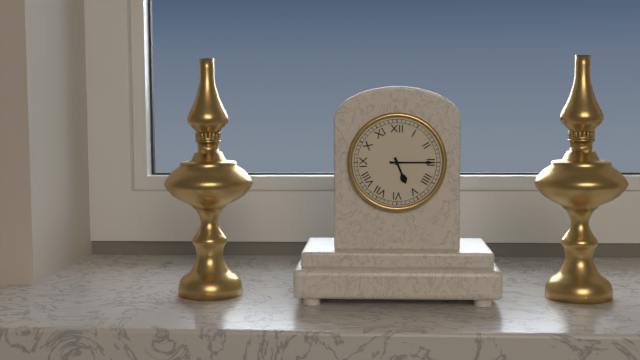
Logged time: 5 h 15 min
